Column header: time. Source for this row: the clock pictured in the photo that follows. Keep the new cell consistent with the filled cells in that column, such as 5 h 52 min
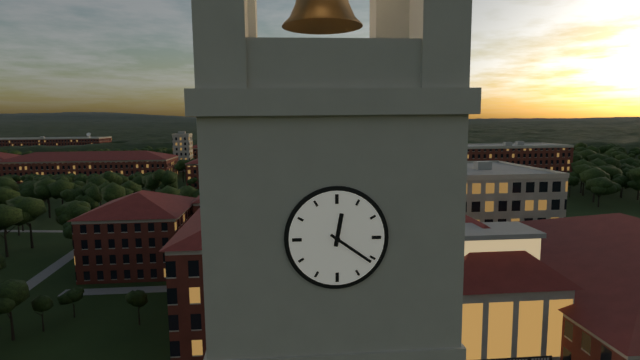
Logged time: 12 h 21 min
